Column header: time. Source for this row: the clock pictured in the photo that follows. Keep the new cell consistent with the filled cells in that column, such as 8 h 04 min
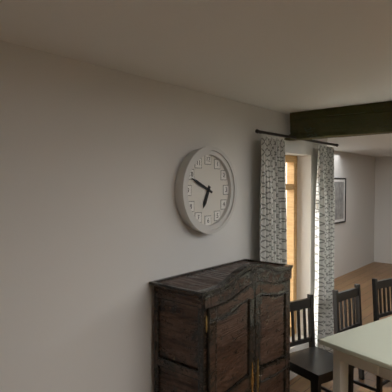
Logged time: 6 h 49 min
